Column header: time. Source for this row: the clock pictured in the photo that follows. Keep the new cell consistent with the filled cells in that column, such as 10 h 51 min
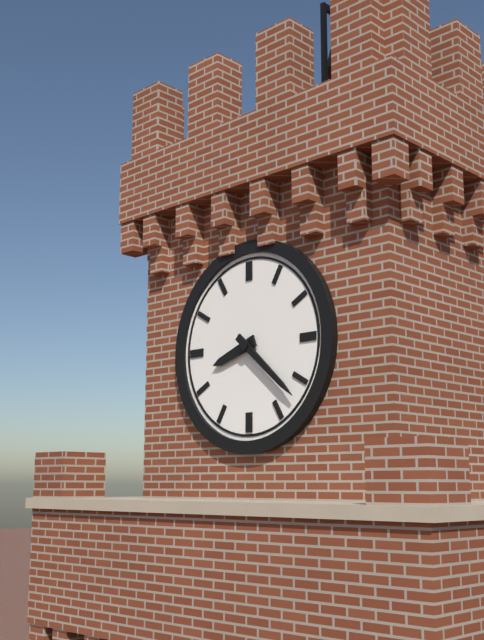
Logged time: 8 h 22 min
